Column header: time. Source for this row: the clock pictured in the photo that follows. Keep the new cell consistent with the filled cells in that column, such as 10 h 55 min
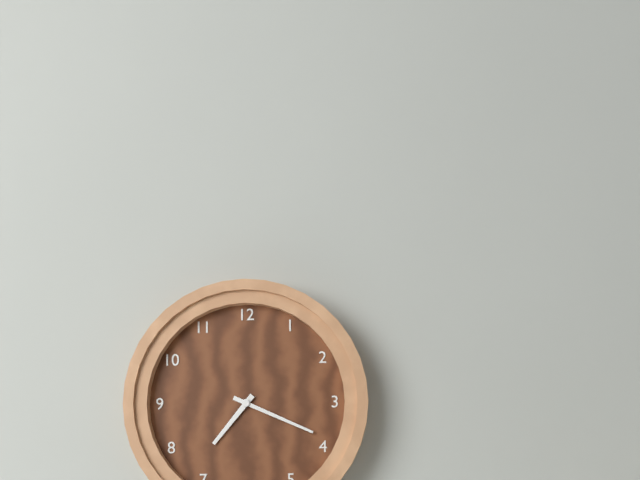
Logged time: 7 h 19 min
